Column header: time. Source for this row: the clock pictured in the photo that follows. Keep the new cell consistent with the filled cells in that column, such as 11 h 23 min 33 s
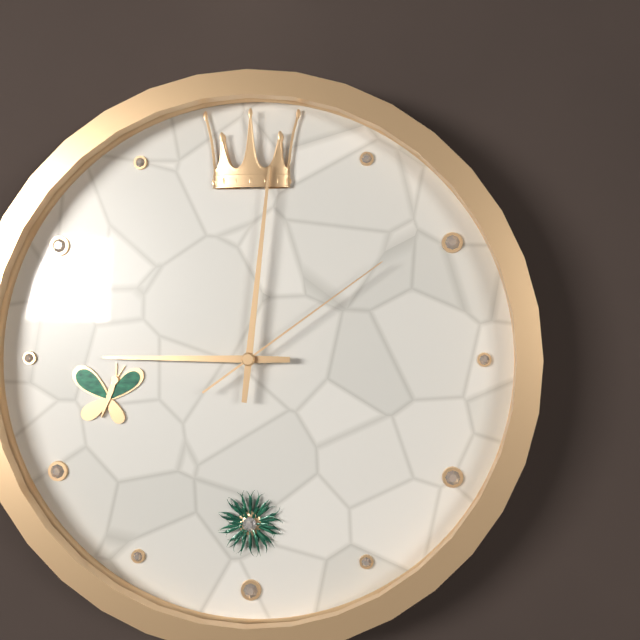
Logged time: 9 h 01 min 09 s
